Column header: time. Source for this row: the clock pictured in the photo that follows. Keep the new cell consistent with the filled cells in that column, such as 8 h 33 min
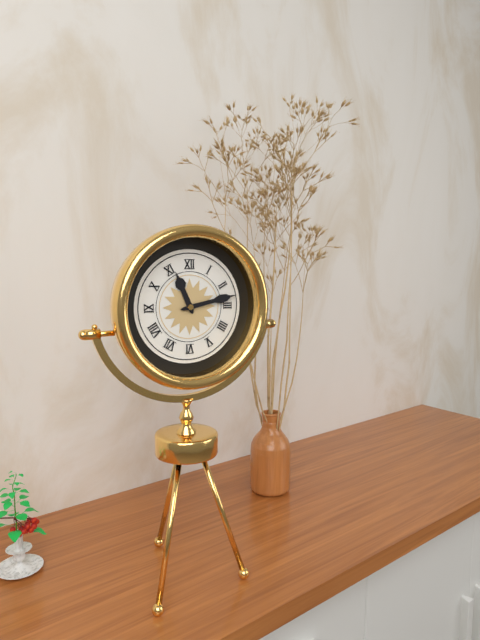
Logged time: 11 h 13 min
